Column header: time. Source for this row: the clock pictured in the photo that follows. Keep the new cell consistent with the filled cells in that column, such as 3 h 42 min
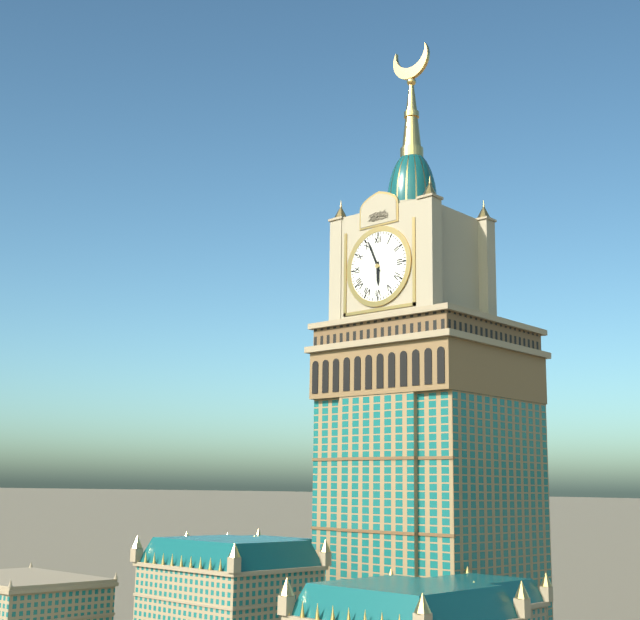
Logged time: 5 h 56 min
